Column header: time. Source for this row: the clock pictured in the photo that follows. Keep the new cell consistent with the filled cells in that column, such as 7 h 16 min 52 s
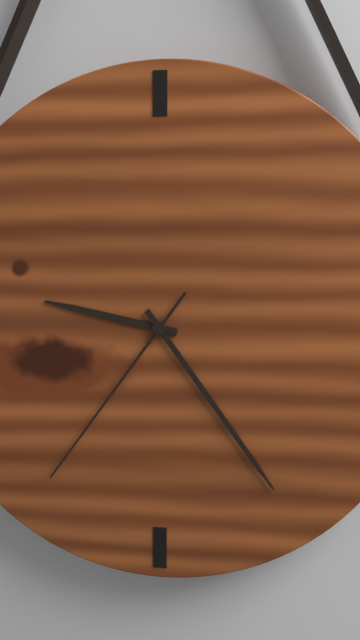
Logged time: 9 h 24 min 36 s
